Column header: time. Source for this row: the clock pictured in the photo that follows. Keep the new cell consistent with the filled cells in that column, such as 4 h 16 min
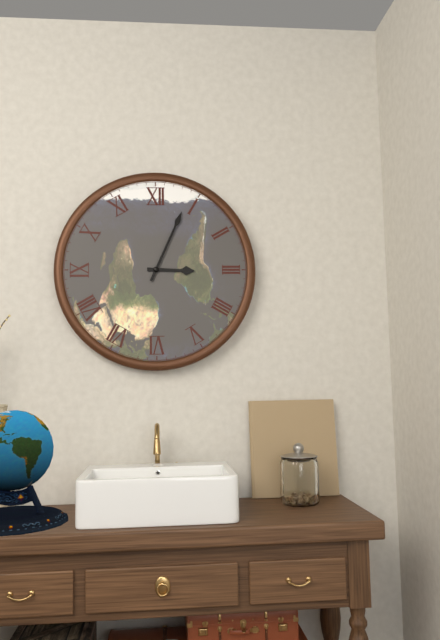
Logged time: 3 h 04 min
